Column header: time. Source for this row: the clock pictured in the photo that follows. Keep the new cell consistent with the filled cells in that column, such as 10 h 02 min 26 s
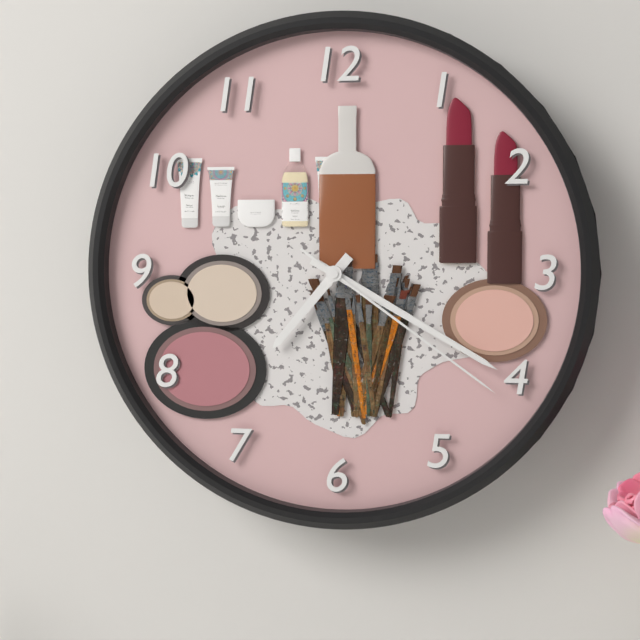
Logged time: 7 h 20 min 21 s
